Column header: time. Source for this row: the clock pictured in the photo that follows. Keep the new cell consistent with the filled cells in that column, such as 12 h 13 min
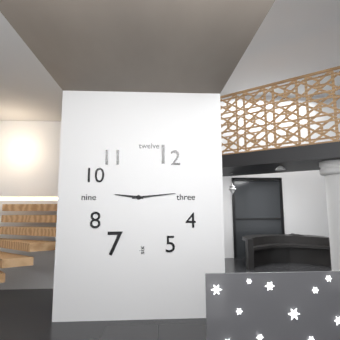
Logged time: 9 h 14 min
